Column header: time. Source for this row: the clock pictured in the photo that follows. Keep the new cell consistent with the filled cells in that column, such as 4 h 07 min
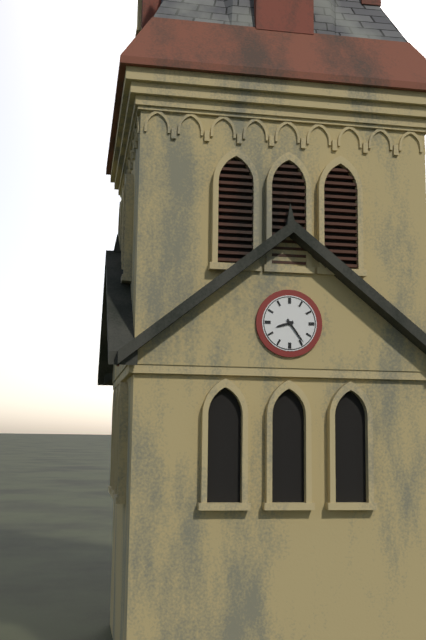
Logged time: 8 h 24 min
